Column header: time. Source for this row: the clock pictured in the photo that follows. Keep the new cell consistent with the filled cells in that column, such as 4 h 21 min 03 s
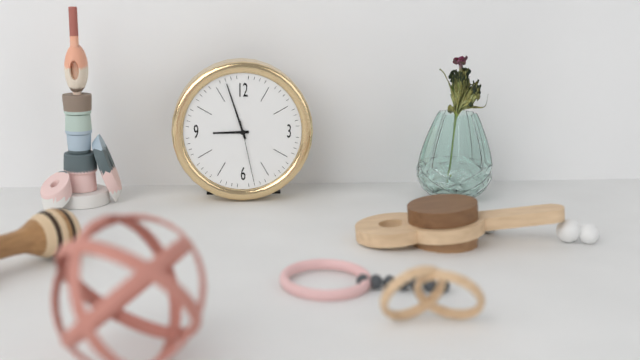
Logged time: 8 h 57 min 28 s
